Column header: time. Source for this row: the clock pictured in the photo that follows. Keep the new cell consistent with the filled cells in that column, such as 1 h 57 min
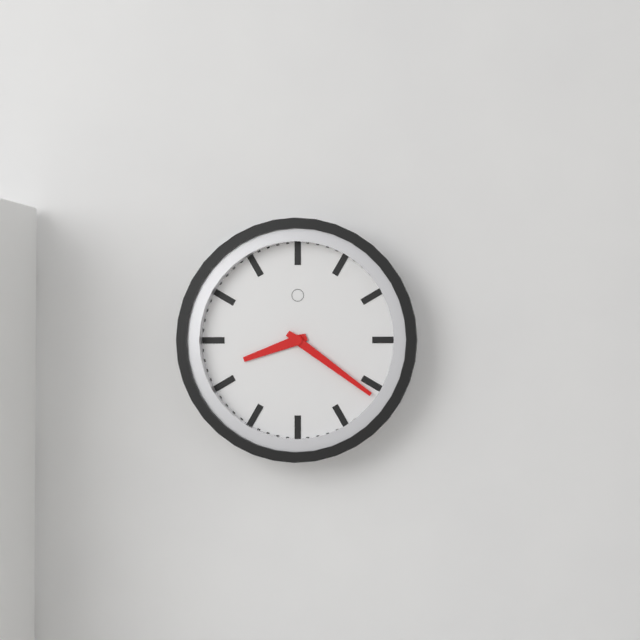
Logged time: 8 h 21 min
